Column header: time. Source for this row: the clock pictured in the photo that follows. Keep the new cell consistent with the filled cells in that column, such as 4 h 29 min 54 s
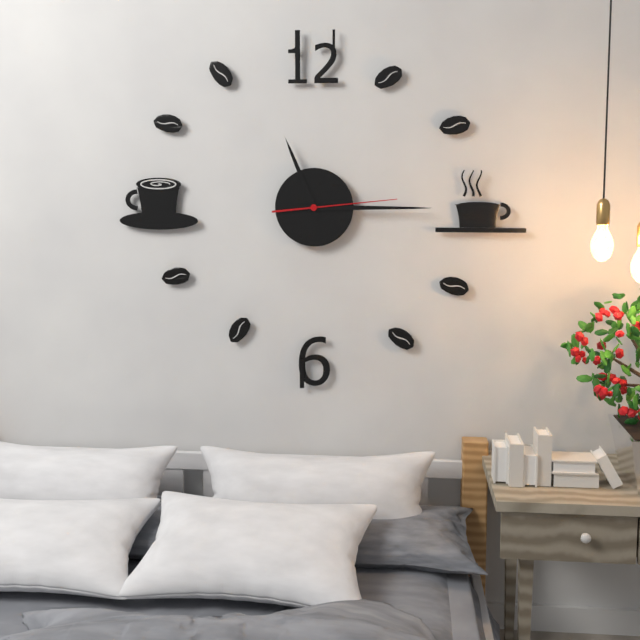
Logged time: 11 h 15 min 14 s
